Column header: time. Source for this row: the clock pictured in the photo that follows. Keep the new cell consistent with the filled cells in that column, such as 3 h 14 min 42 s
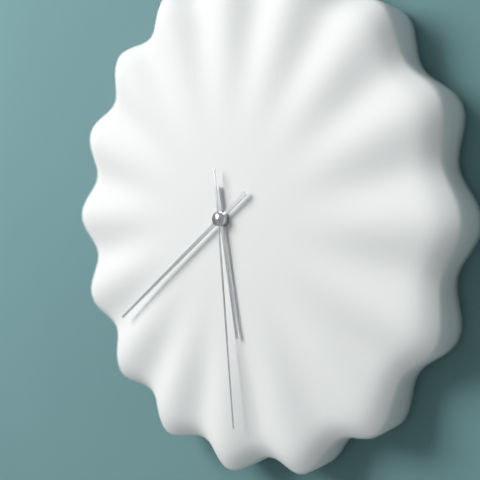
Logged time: 5 h 39 min 29 s
